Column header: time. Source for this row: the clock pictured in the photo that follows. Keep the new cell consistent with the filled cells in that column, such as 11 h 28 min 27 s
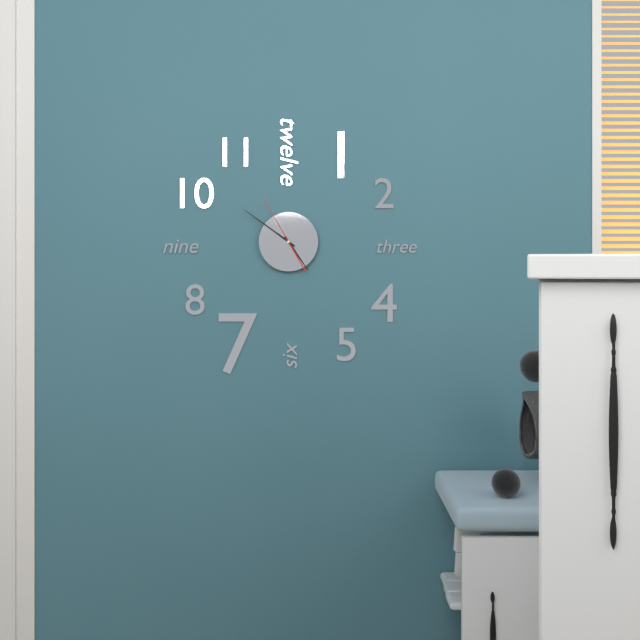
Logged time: 4 h 51 min 55 s
